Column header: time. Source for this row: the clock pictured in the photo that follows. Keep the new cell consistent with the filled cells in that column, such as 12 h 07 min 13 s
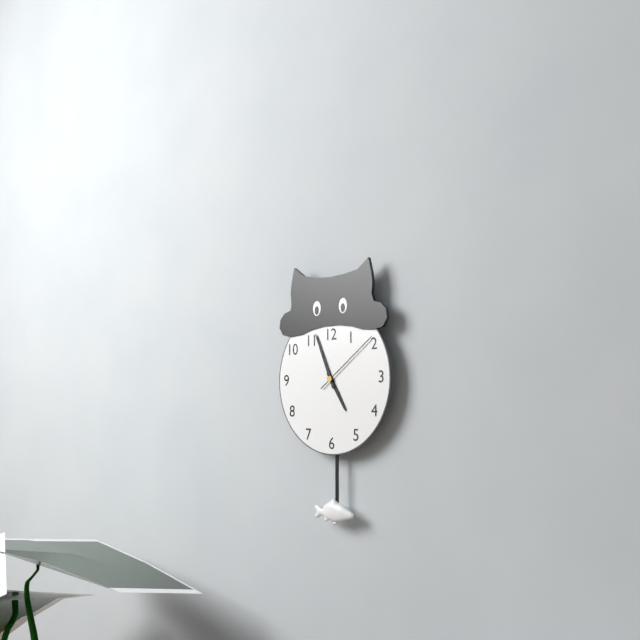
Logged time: 4 h 56 min 09 s
